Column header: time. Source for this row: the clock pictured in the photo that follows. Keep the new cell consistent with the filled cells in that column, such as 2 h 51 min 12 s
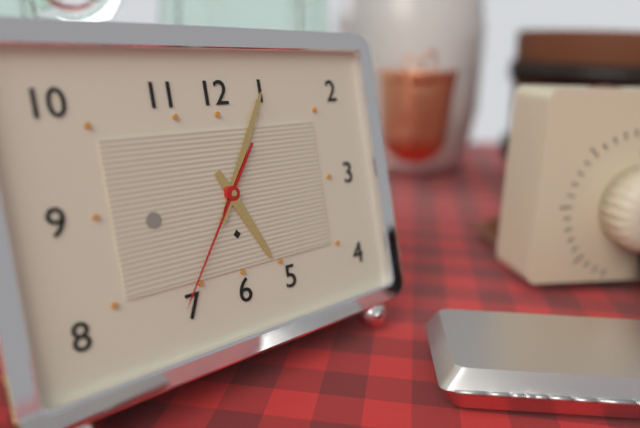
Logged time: 5 h 05 min 36 s
